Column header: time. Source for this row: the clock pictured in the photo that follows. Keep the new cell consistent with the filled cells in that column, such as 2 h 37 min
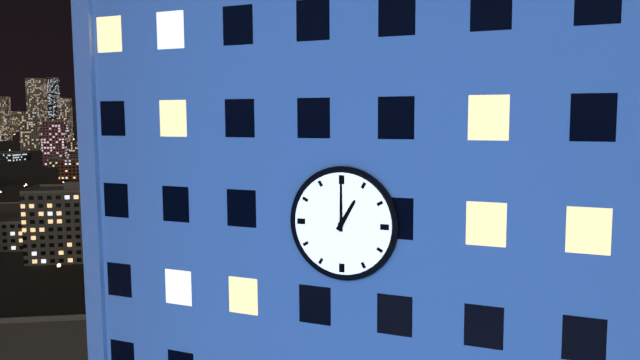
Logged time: 1 h 00 min
